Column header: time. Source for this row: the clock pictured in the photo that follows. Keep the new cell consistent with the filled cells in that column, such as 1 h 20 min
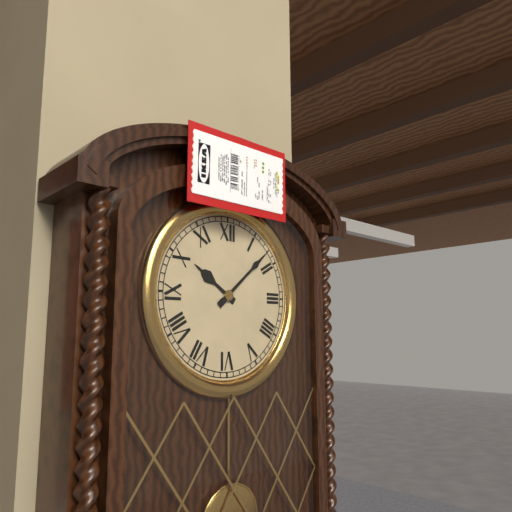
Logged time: 10 h 08 min
